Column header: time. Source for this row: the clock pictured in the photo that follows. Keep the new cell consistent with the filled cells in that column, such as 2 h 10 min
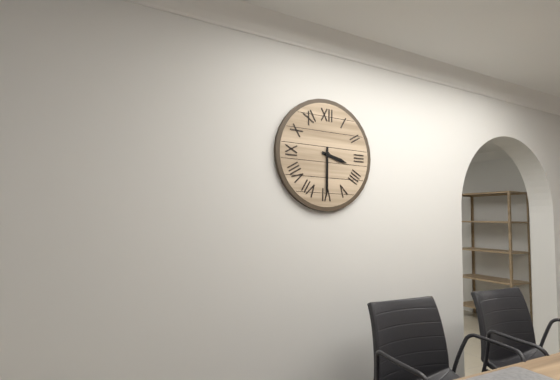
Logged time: 3 h 30 min
